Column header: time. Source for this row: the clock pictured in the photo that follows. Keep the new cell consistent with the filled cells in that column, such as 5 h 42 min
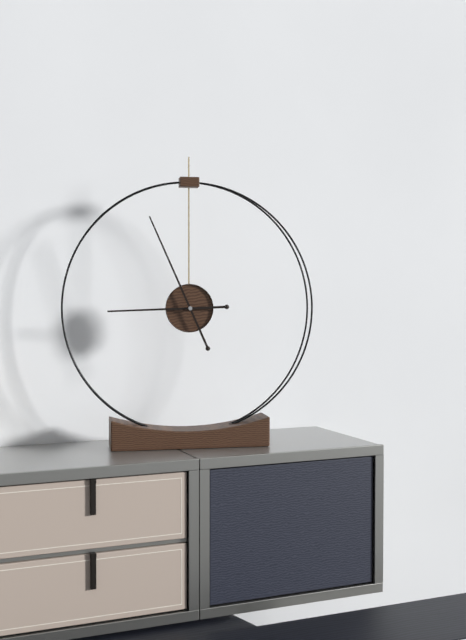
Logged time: 8 h 56 min
